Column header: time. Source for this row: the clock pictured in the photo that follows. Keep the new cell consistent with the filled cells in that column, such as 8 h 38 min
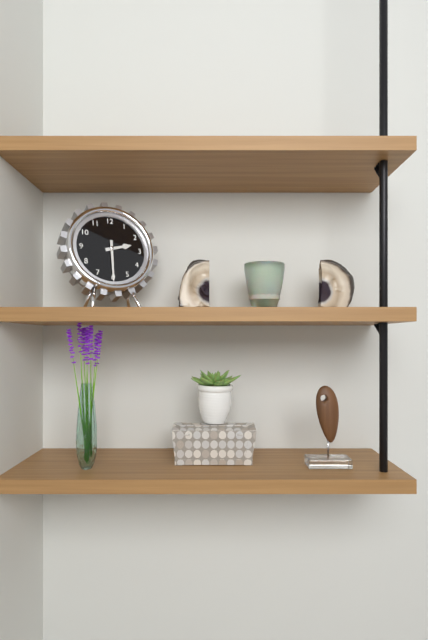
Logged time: 2 h 30 min
